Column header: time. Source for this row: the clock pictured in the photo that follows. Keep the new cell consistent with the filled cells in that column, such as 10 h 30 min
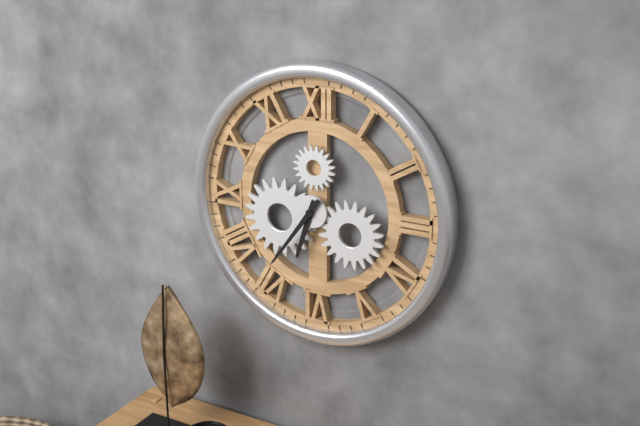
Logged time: 6 h 36 min
